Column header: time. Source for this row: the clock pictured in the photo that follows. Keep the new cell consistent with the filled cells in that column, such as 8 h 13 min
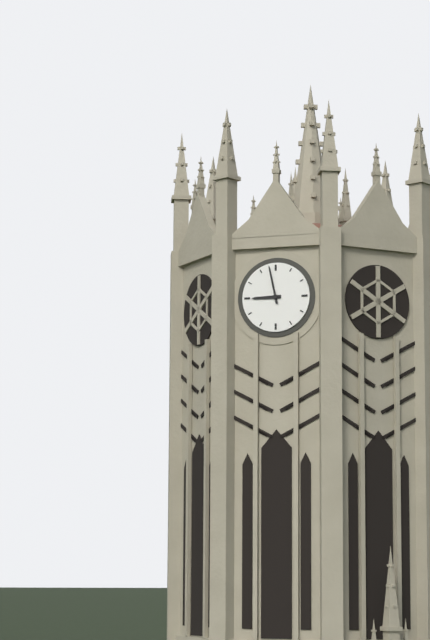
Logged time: 8 h 58 min
